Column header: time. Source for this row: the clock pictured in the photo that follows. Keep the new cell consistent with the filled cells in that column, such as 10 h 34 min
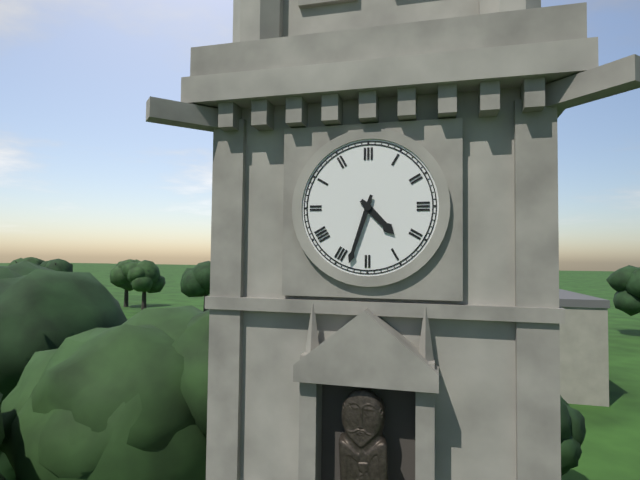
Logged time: 4 h 33 min
